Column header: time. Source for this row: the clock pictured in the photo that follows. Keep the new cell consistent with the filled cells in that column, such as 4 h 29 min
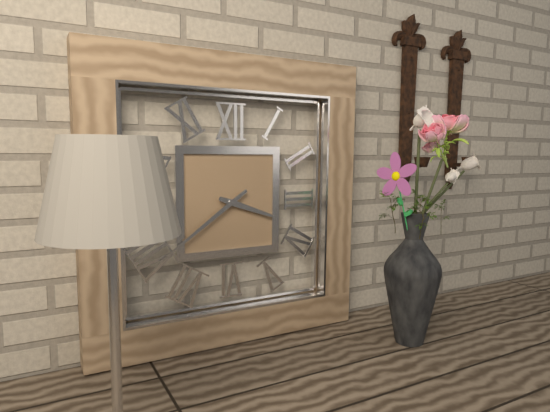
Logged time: 3 h 39 min
